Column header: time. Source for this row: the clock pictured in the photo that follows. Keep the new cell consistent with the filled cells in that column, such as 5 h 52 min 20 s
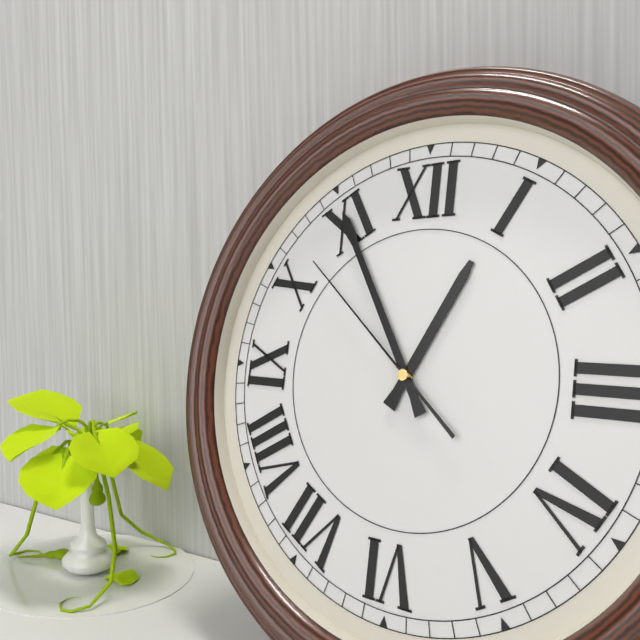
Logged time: 12 h 55 min 52 s
